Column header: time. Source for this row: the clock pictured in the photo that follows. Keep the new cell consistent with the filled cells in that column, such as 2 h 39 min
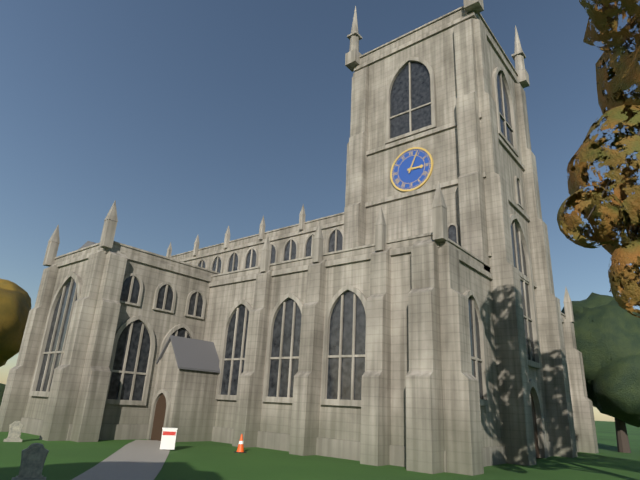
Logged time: 3 h 04 min
